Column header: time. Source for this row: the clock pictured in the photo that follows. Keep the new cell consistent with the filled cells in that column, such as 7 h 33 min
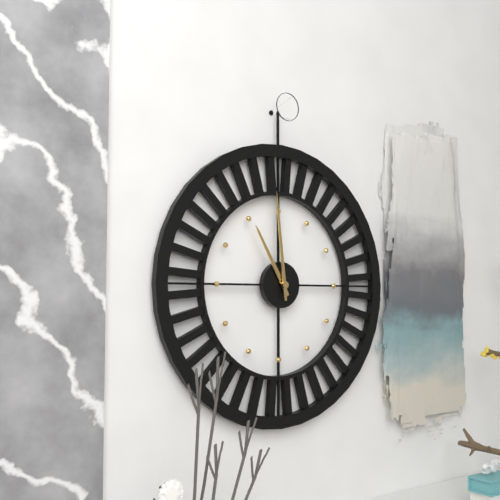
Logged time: 10 h 59 min
